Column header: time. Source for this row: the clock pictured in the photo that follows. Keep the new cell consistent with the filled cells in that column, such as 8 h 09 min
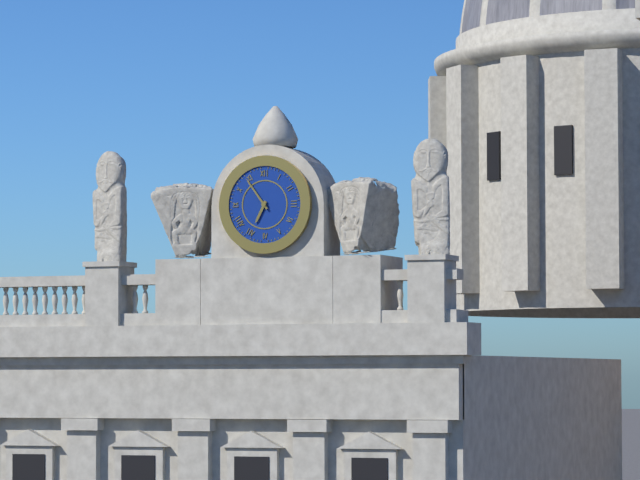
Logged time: 6 h 54 min
